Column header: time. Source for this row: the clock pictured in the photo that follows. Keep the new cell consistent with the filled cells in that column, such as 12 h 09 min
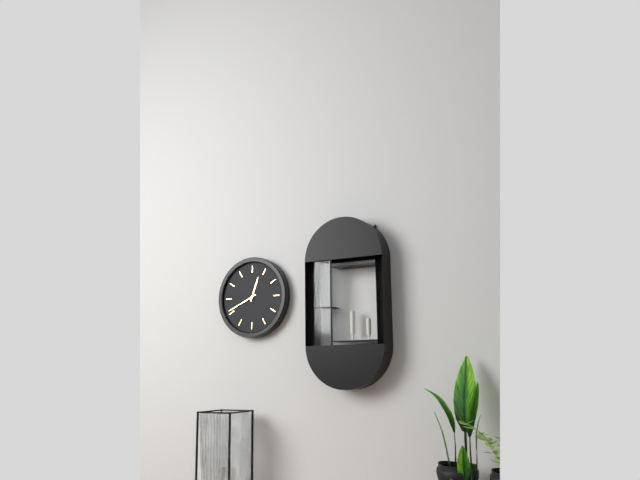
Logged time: 12 h 41 min
